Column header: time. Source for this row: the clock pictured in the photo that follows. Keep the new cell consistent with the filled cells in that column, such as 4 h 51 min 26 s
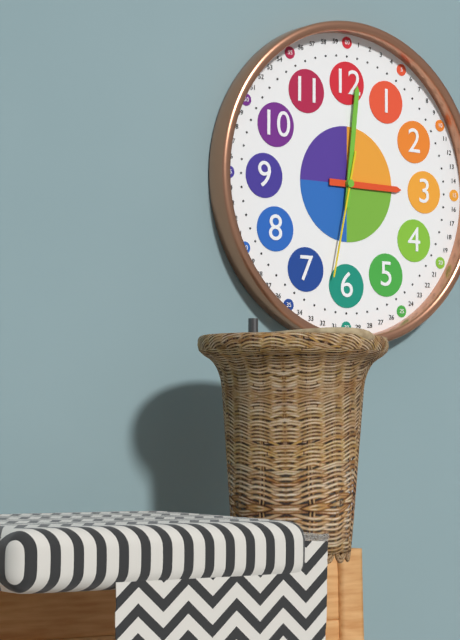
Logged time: 3 h 01 min 32 s
